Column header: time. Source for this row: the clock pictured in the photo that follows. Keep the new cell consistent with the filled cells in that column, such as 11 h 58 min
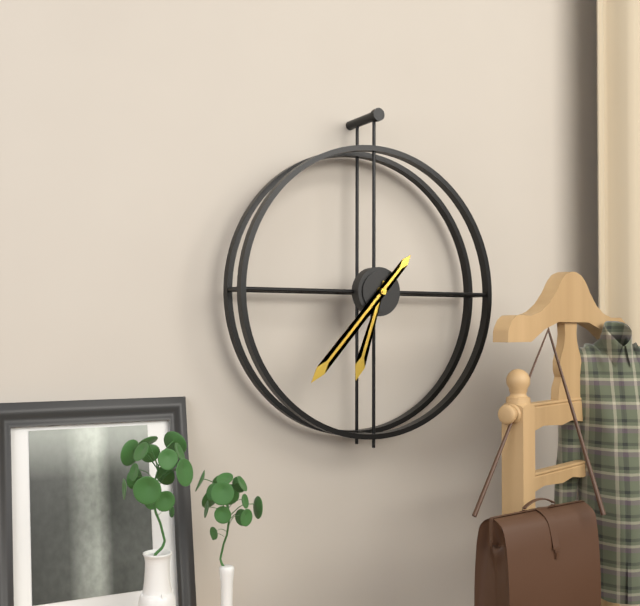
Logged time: 6 h 37 min
